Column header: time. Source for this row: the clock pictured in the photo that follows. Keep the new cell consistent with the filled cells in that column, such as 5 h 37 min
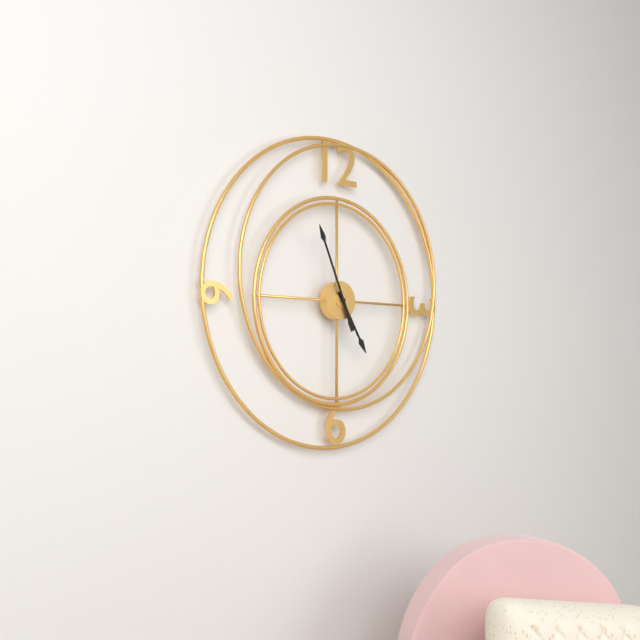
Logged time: 4 h 56 min
